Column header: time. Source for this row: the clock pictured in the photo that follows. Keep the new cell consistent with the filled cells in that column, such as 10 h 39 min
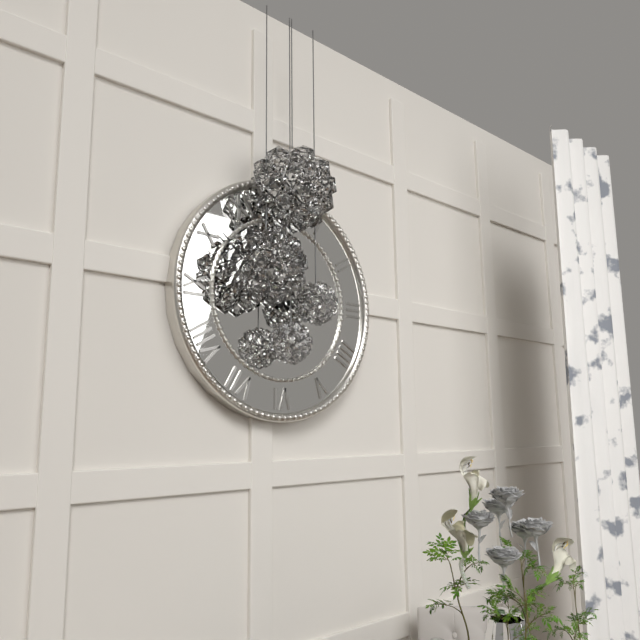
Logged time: 12 h 51 min
